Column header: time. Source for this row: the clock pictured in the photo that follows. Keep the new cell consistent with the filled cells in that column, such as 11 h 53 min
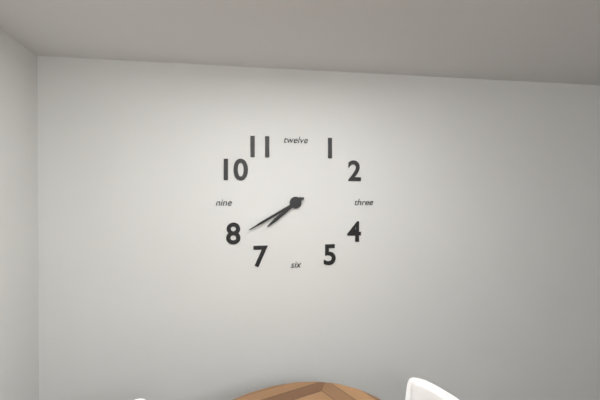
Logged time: 7 h 40 min
